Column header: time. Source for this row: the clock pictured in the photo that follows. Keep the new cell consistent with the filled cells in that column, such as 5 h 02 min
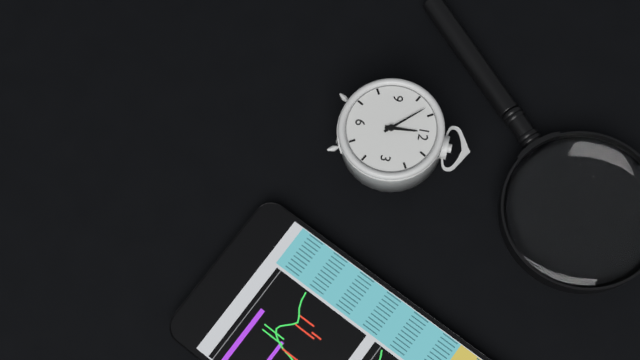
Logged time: 11 h 53 min
